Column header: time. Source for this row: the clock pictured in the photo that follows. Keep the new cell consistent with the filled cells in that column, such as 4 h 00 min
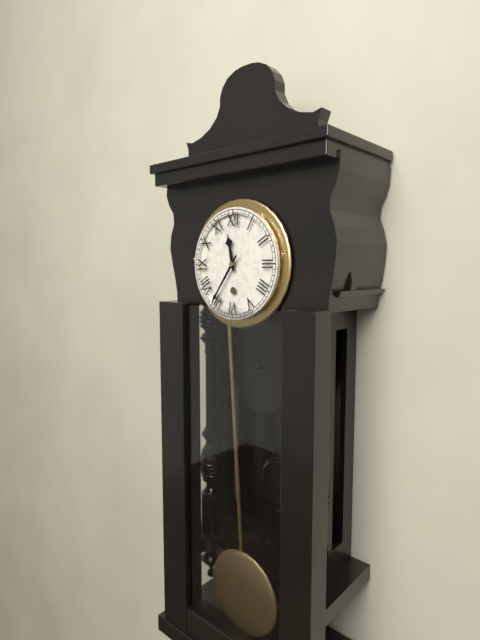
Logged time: 11 h 36 min
